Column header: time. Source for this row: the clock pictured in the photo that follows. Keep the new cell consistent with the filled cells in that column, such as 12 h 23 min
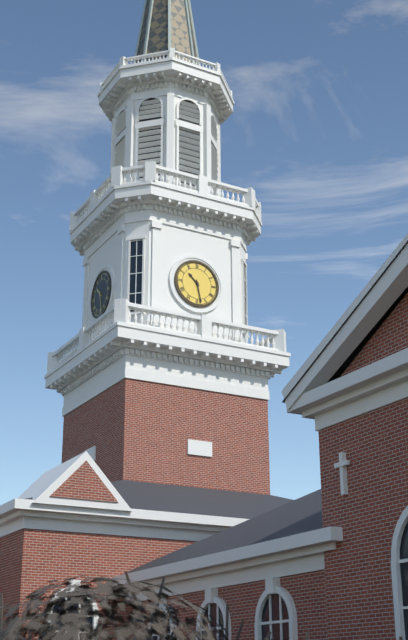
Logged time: 10 h 28 min
